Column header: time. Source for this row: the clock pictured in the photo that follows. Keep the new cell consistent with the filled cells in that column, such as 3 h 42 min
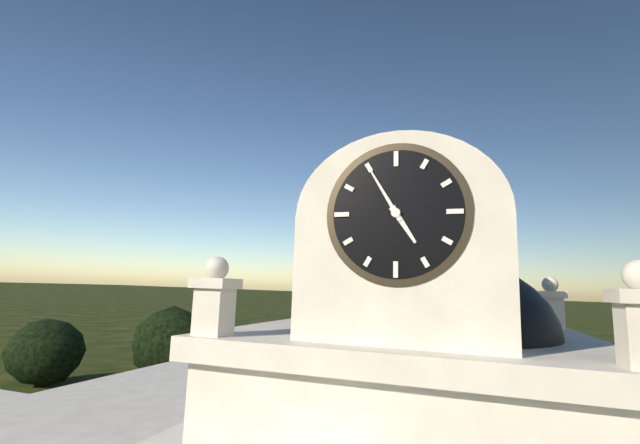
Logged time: 4 h 55 min
